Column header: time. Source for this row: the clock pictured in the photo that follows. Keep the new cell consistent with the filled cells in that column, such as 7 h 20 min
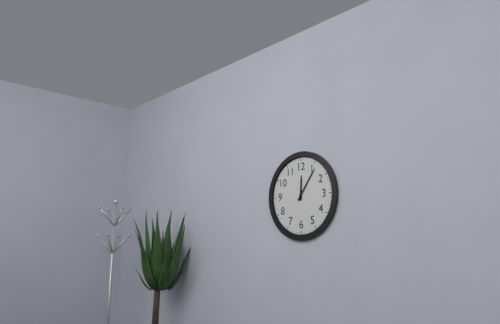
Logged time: 12 h 06 min
